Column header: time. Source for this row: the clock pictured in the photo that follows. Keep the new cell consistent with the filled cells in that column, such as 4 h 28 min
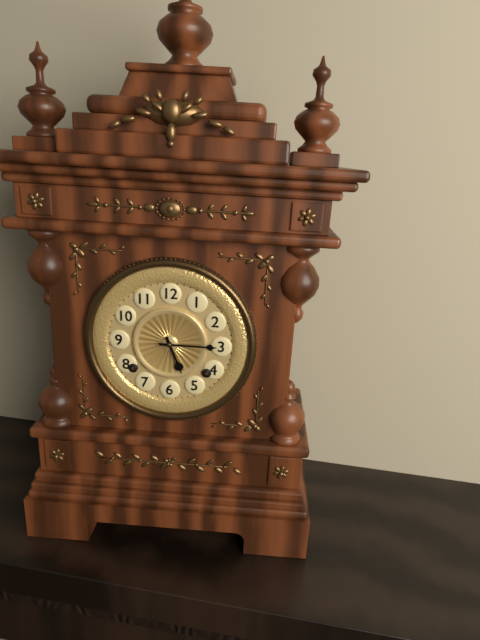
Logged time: 5 h 15 min
